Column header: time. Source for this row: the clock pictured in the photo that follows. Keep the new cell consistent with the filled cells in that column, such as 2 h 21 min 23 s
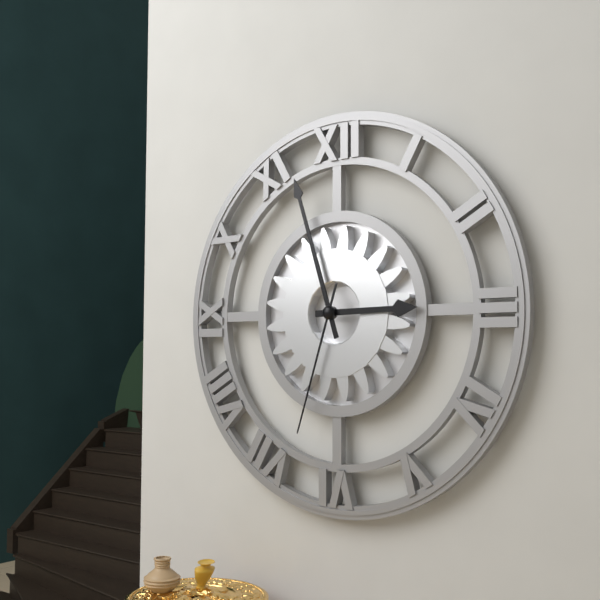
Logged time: 2 h 57 min 33 s
